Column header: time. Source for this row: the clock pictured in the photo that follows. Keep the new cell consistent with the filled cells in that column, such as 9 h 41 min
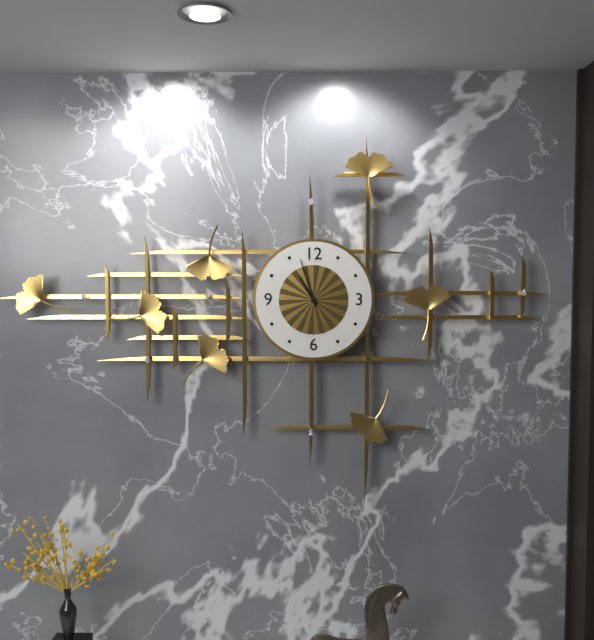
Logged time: 10 h 57 min
